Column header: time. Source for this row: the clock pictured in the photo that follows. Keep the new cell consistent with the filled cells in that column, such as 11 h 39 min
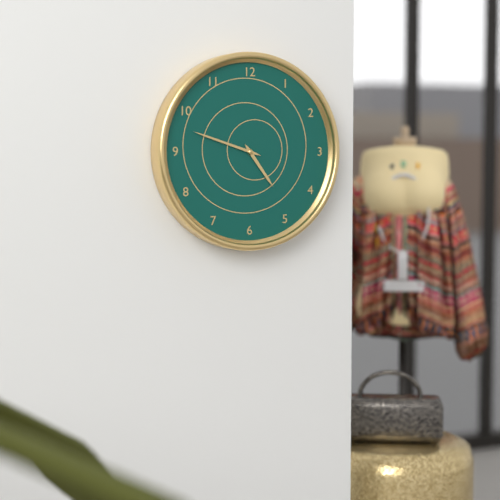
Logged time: 4 h 48 min
